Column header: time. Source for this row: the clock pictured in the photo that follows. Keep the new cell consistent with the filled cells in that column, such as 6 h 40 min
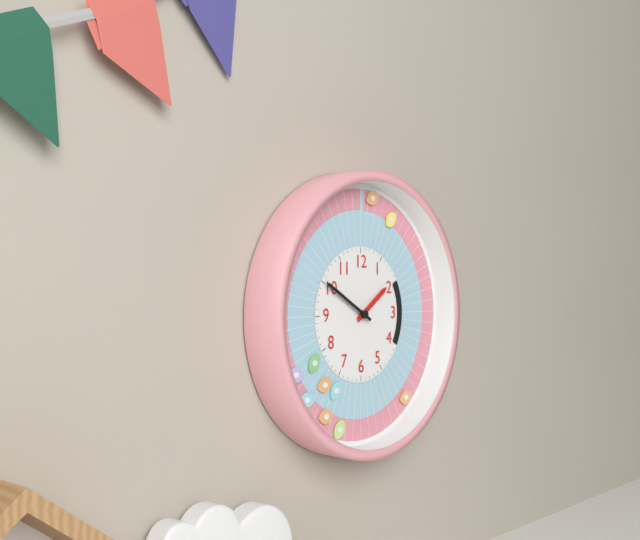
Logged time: 1 h 50 min
